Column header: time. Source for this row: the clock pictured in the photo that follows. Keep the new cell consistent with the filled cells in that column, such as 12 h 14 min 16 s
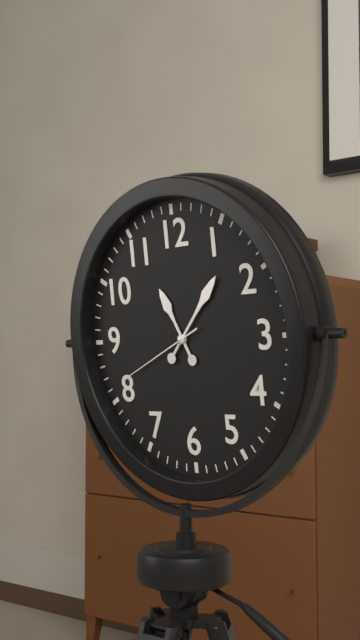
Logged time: 11 h 07 min 41 s
